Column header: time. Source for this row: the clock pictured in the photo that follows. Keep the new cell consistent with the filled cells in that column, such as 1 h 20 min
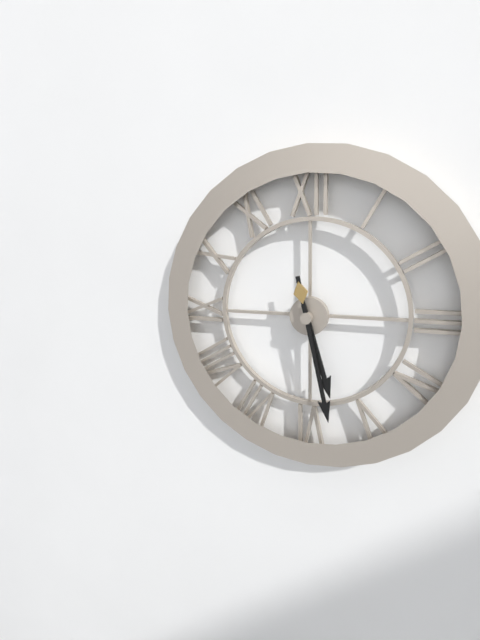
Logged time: 5 h 28 min
